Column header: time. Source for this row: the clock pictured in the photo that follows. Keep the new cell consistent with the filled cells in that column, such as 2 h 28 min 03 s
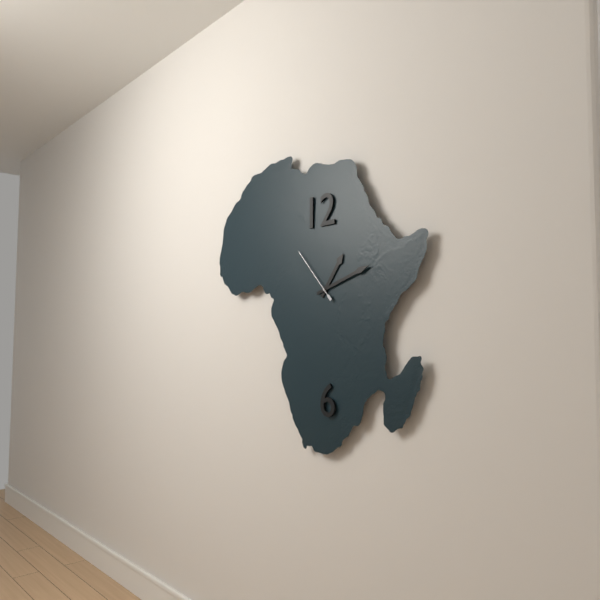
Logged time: 1 h 12 min 53 s
